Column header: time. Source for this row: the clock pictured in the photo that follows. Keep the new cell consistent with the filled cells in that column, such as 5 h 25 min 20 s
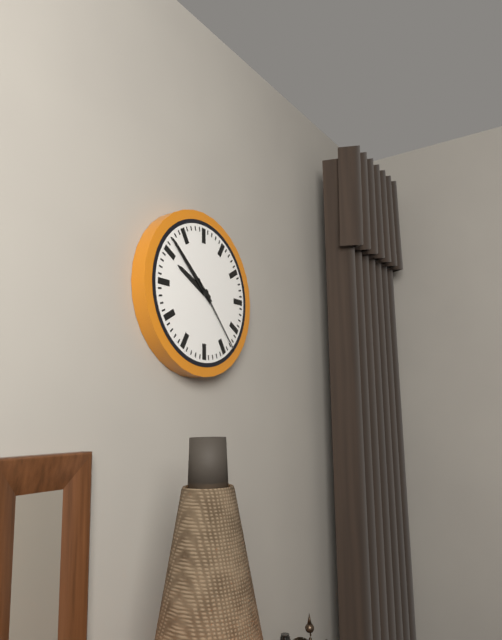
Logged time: 9 h 52 min 23 s
